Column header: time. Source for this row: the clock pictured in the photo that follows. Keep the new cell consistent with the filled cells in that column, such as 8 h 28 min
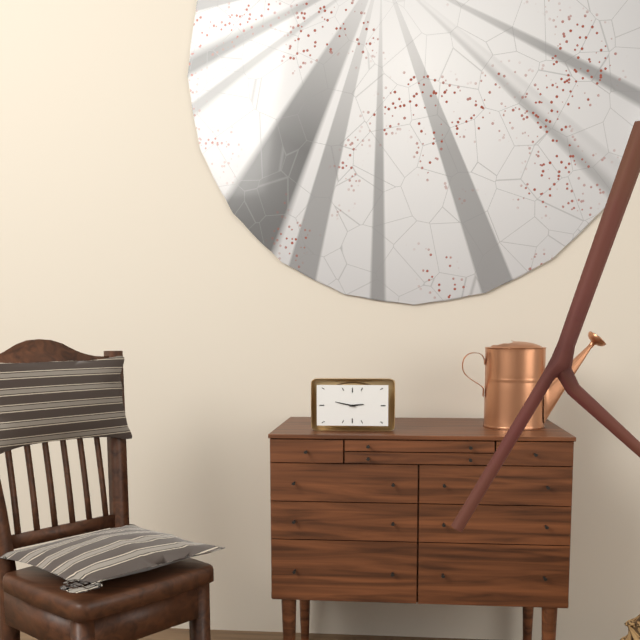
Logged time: 2 h 47 min
